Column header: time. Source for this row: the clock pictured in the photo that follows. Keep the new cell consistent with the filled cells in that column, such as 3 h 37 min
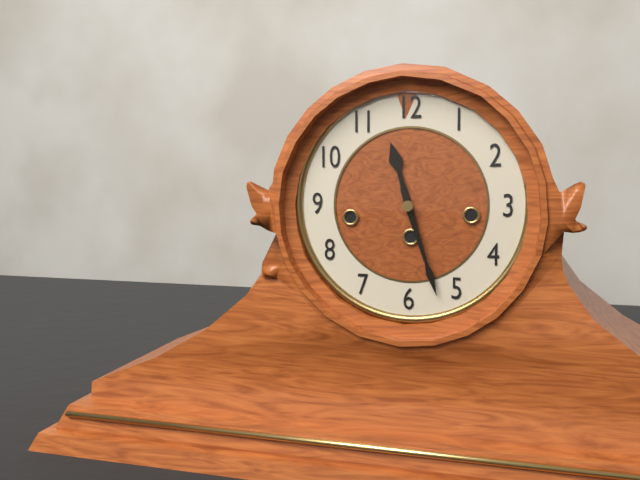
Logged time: 11 h 27 min
